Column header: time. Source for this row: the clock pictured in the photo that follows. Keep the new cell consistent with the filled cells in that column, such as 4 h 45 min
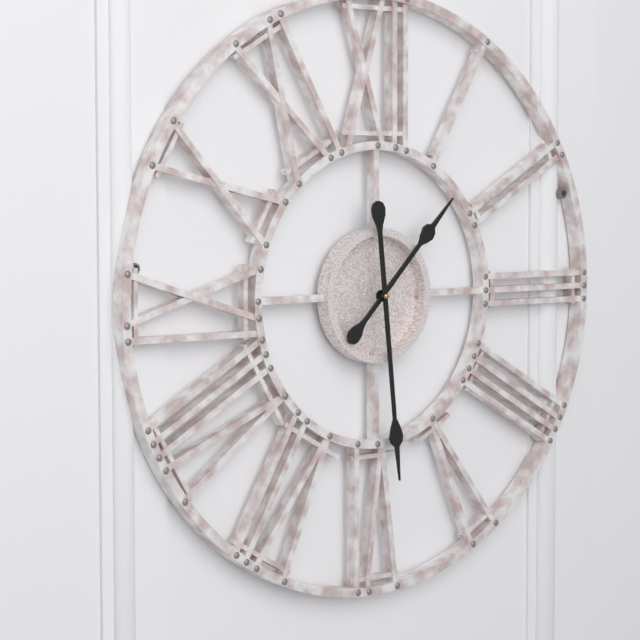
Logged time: 1 h 29 min
